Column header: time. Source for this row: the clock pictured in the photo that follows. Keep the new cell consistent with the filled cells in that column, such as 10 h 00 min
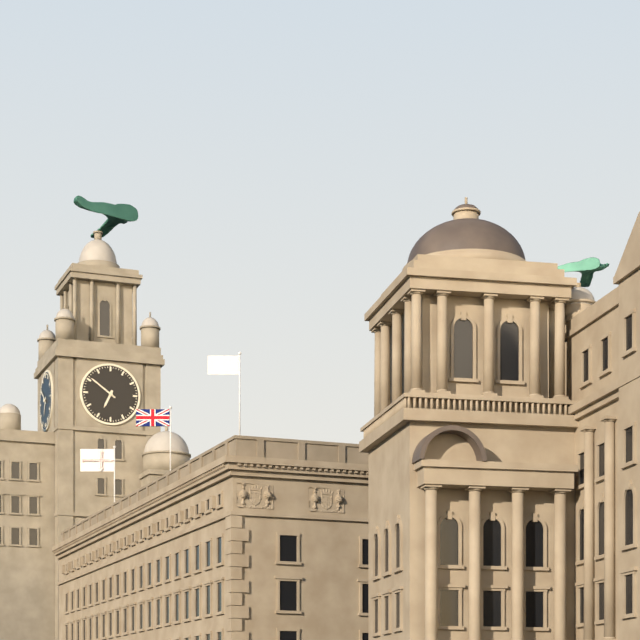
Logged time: 6 h 51 min
